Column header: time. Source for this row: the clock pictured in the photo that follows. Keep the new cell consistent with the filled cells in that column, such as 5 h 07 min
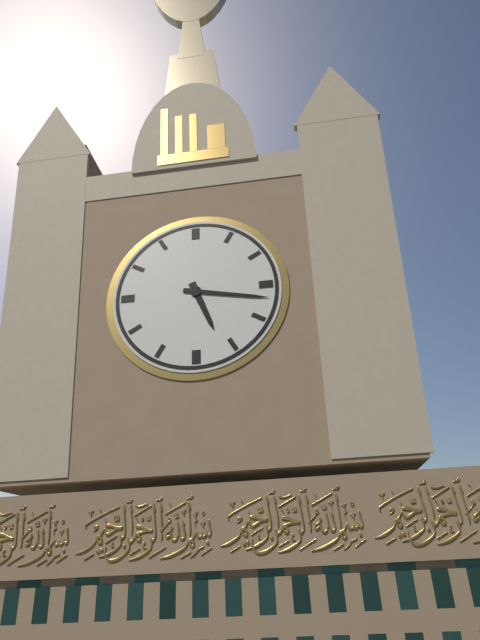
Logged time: 5 h 17 min
